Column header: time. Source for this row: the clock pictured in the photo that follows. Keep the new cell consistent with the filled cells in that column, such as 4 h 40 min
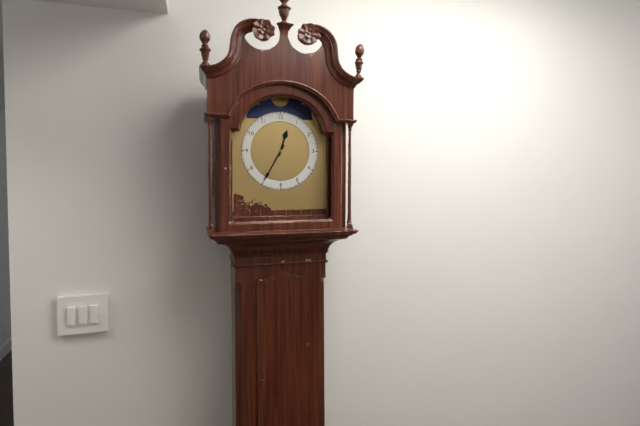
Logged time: 12 h 35 min
